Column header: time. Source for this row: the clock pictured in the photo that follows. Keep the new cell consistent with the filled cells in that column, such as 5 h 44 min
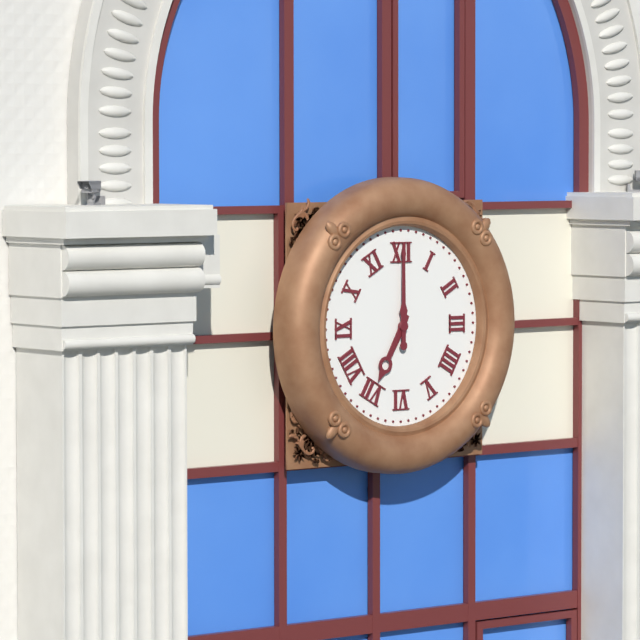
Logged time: 7 h 00 min
